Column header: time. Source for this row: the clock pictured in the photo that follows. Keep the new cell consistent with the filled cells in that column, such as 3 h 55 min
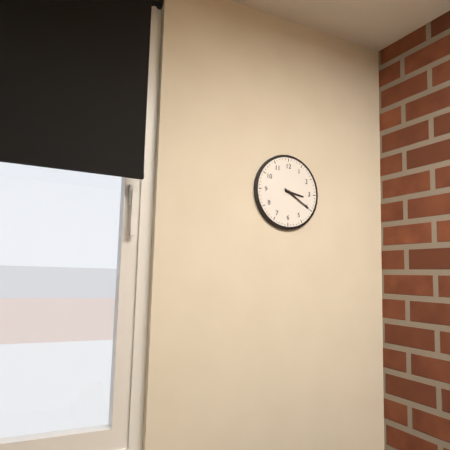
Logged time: 3 h 20 min
